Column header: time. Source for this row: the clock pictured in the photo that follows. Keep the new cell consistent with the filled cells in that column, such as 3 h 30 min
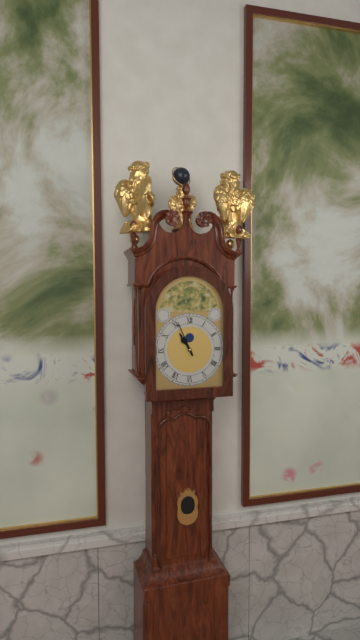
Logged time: 10 h 56 min
